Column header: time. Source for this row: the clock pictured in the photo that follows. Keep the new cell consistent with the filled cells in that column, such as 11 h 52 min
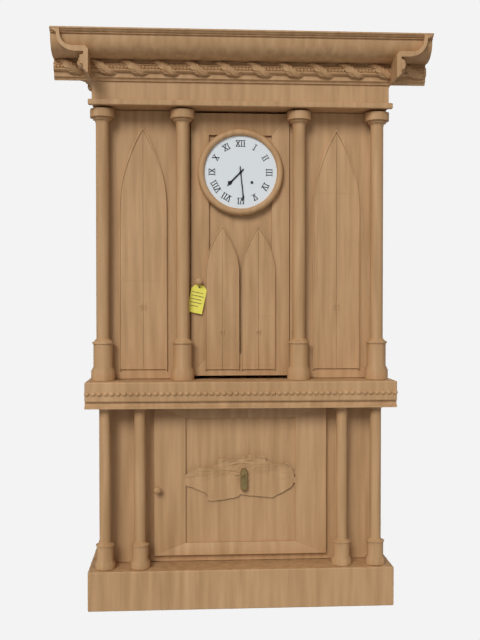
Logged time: 7 h 29 min
